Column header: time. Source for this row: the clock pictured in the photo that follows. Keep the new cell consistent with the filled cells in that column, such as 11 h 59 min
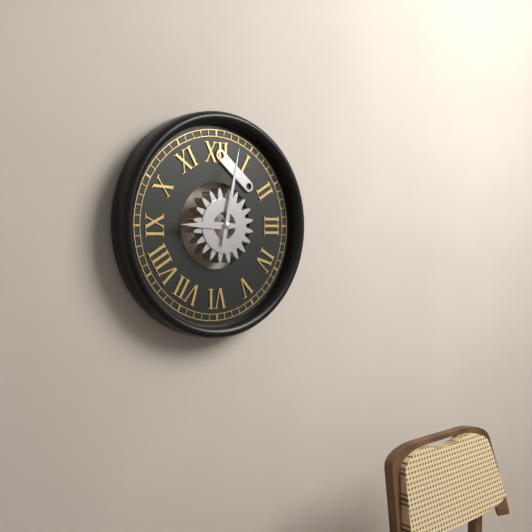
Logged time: 9 h 02 min
